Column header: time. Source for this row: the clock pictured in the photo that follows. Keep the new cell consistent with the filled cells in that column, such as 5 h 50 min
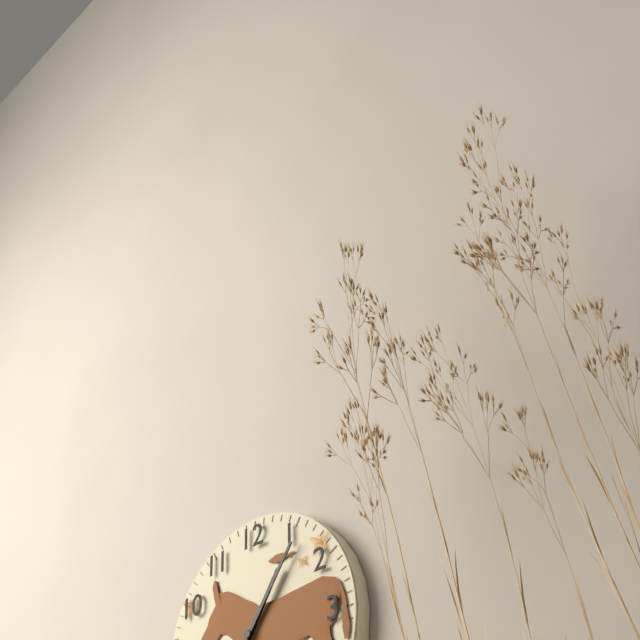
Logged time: 1 h 06 min
